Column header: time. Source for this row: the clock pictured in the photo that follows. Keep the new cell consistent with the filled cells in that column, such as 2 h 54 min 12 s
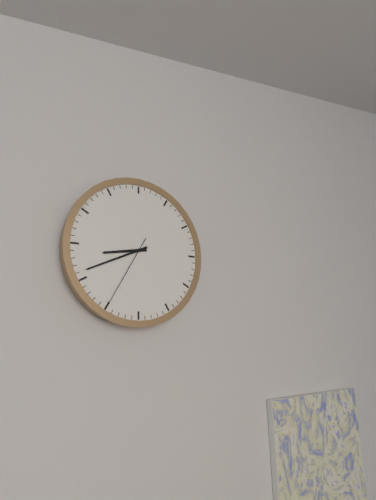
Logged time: 8 h 41 min 35 s
